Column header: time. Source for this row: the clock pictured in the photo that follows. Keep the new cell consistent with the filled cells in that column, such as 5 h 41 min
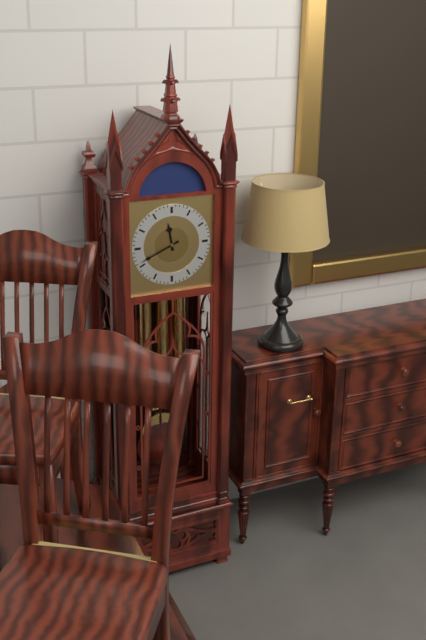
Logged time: 11 h 41 min
